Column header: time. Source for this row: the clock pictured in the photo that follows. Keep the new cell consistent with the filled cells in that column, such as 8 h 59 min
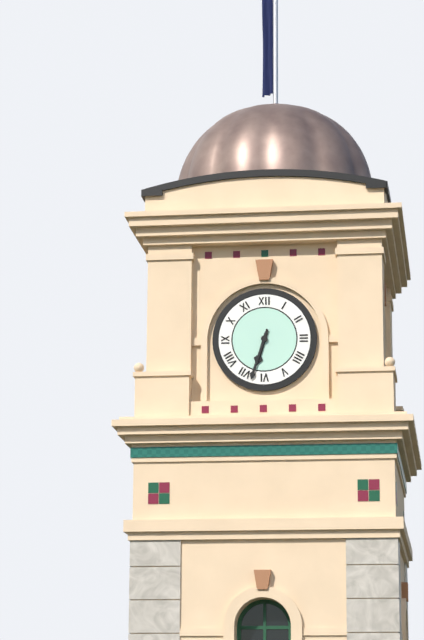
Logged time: 6 h 33 min
